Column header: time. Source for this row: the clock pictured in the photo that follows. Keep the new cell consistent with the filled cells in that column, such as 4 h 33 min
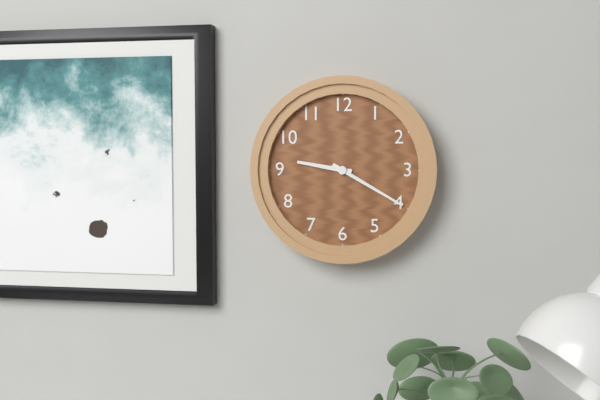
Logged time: 9 h 20 min
